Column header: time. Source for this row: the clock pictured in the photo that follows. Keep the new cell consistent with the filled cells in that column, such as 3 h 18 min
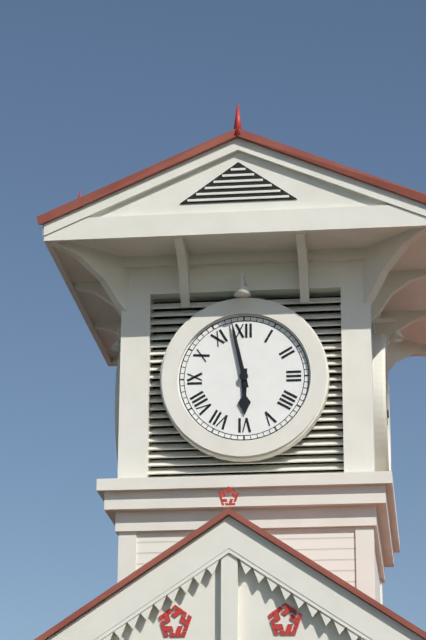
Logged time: 5 h 58 min
